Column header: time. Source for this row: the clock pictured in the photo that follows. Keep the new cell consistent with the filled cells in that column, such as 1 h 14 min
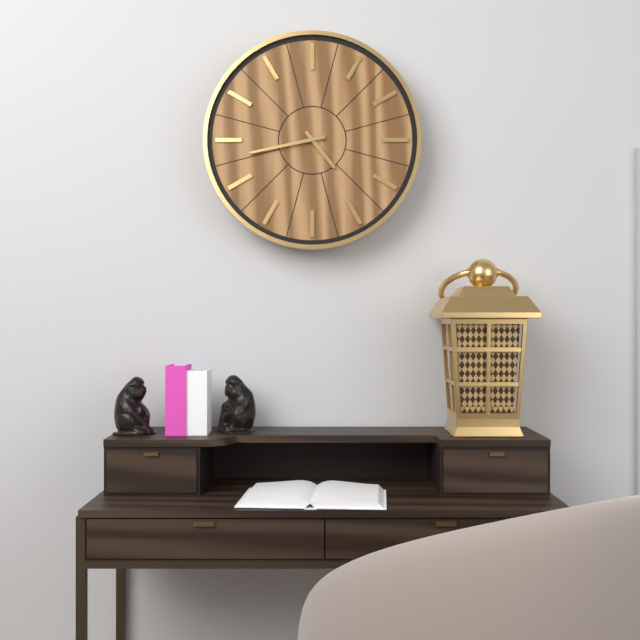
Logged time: 4 h 43 min
